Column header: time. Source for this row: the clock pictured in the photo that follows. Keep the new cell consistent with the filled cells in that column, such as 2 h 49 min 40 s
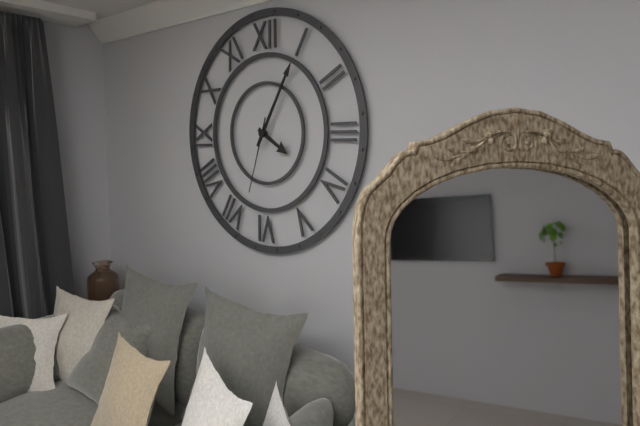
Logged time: 4 h 05 min 33 s
